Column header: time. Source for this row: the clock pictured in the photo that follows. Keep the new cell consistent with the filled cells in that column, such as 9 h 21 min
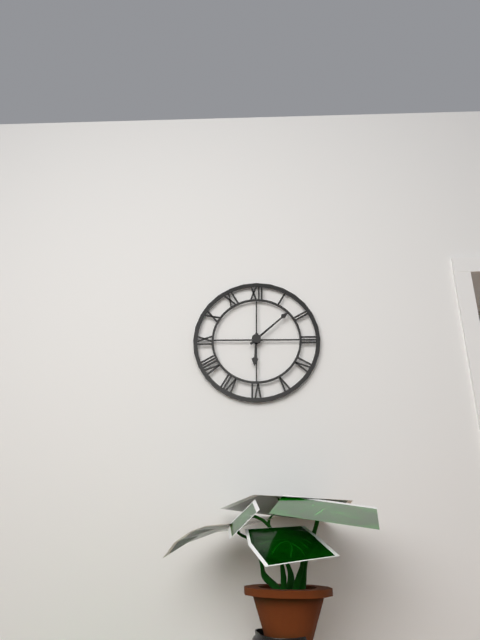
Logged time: 6 h 08 min
